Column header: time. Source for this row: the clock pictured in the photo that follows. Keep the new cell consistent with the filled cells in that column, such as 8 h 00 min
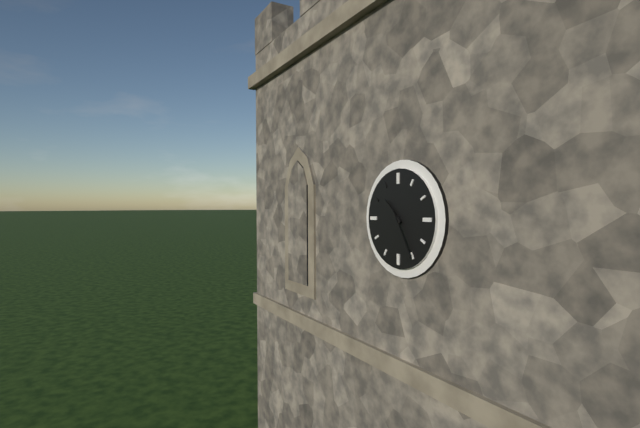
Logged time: 10 h 25 min
